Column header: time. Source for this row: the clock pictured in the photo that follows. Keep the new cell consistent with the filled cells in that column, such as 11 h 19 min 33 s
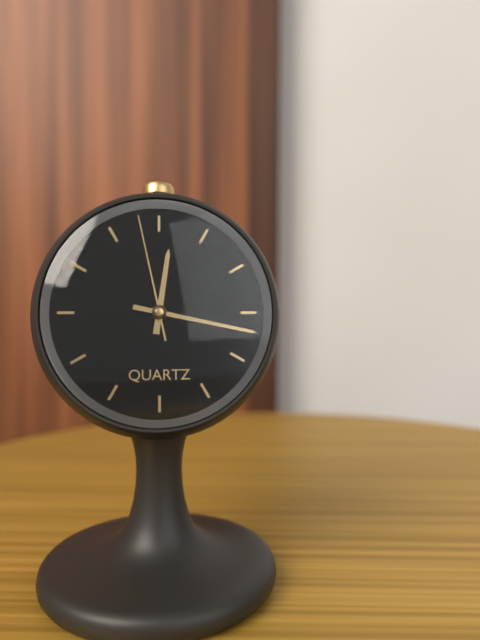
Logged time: 12 h 17 min 58 s
